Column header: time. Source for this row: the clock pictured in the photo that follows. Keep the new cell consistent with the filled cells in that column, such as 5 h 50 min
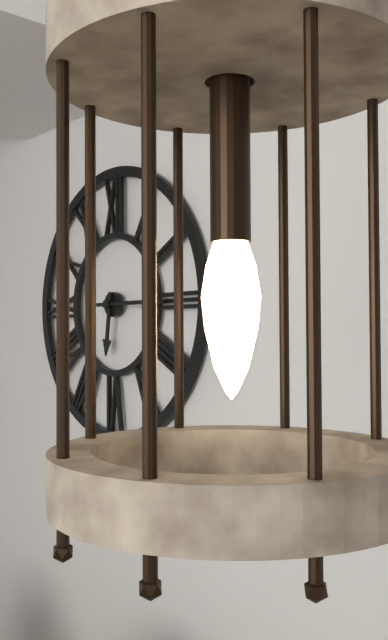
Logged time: 6 h 15 min
